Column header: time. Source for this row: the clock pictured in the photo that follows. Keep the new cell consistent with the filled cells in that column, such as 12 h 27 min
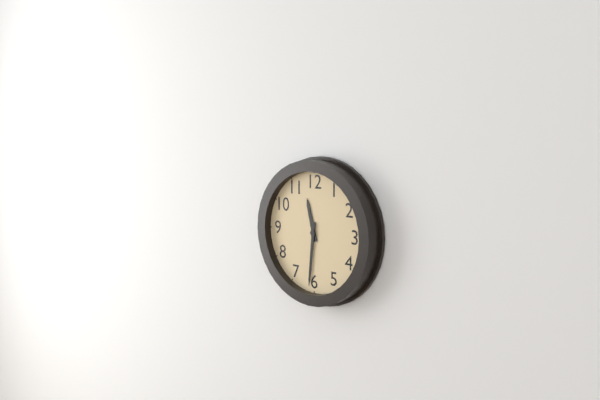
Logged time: 11 h 31 min
